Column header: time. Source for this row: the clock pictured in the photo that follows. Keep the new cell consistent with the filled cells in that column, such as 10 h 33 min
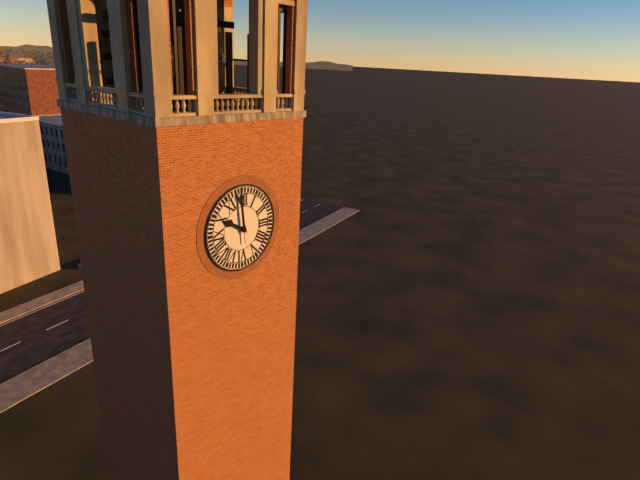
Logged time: 9 h 59 min
